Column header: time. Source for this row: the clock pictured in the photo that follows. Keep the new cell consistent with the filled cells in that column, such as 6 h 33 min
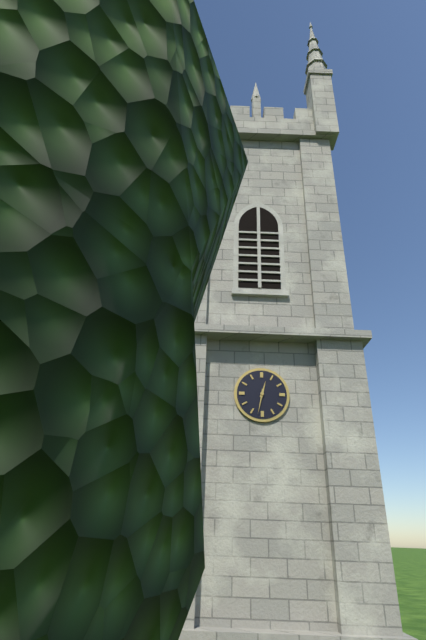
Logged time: 12 h 32 min
